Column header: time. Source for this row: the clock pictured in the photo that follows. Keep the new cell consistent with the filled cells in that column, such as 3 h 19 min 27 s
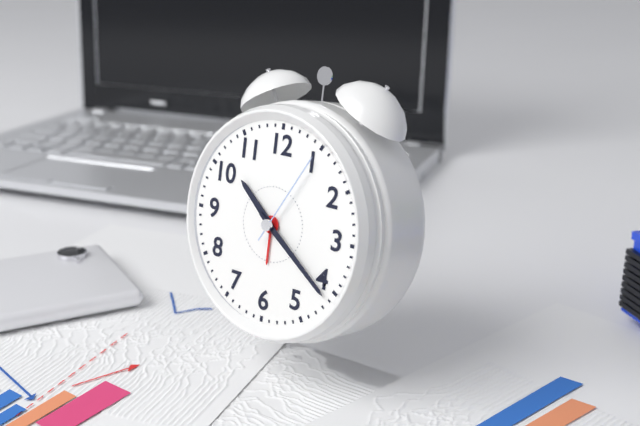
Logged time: 10 h 21 min 05 s
